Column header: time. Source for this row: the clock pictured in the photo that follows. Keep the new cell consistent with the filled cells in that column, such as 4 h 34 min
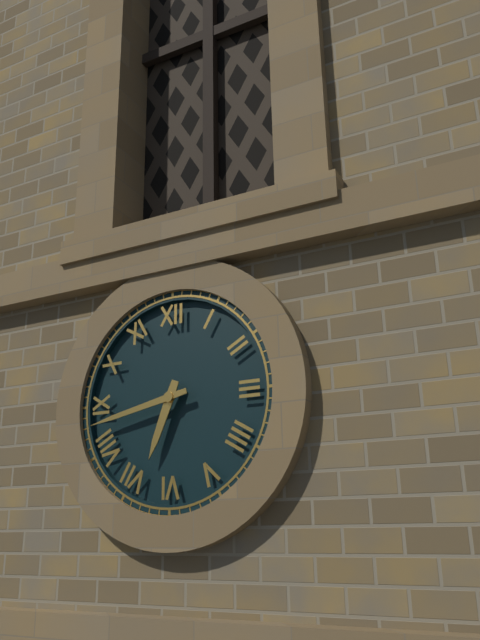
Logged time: 6 h 43 min
